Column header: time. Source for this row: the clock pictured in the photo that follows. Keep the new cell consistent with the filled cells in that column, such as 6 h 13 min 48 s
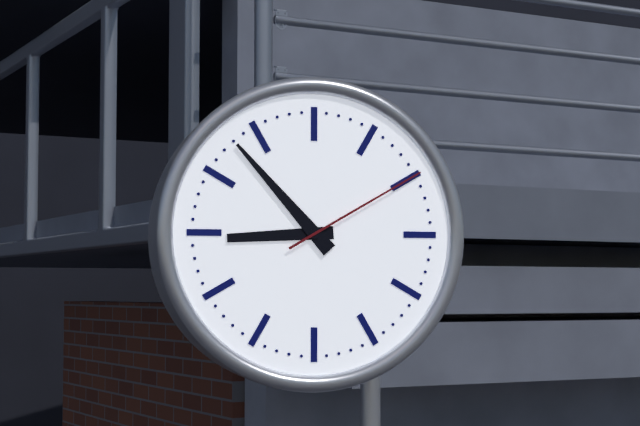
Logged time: 8 h 53 min 10 s
